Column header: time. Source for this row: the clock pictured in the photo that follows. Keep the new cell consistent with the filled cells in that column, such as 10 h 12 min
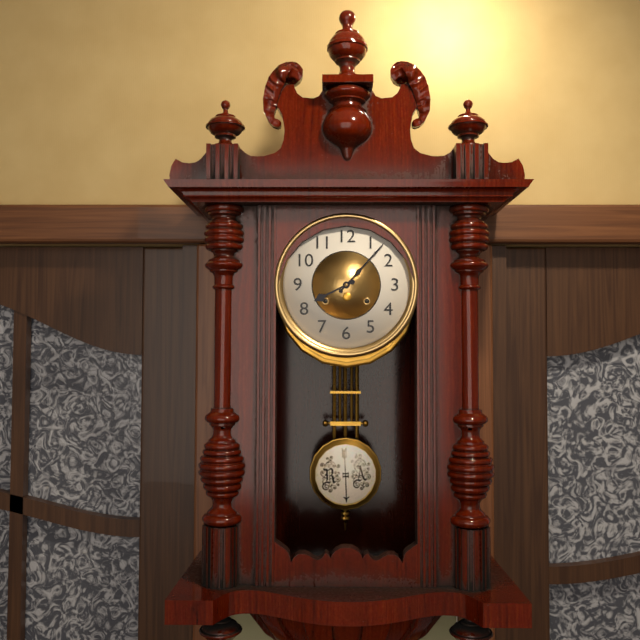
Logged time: 8 h 07 min
